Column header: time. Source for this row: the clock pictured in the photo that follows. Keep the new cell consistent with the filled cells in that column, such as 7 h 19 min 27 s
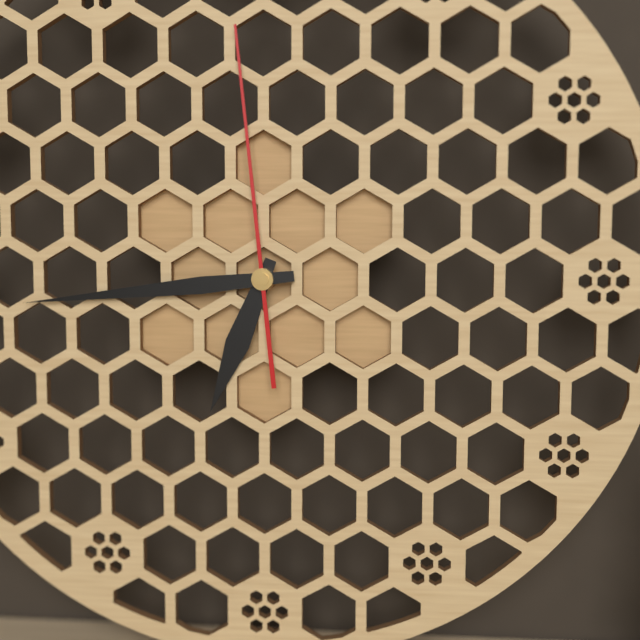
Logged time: 6 h 44 min 59 s
